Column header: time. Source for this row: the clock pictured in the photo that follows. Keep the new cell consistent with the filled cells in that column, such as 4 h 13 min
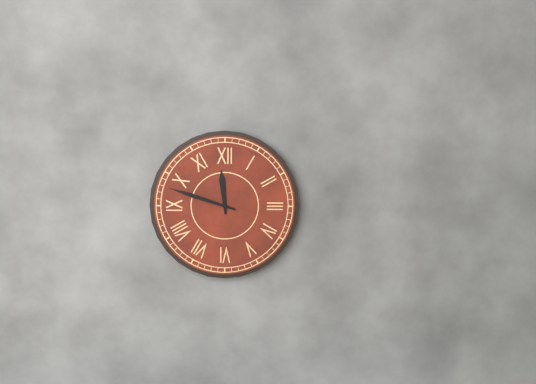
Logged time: 11 h 48 min
